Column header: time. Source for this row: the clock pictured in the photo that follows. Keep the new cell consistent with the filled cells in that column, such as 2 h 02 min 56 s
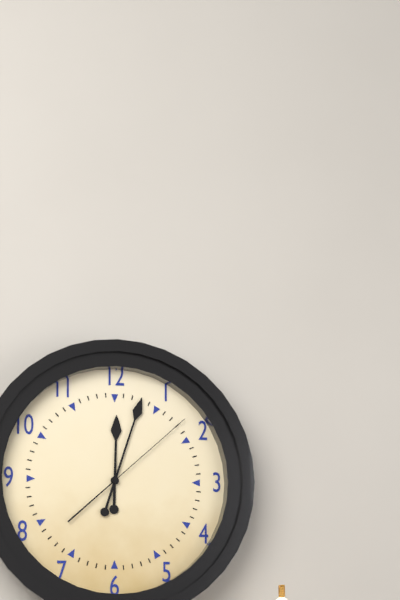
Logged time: 12 h 03 min 08 s
